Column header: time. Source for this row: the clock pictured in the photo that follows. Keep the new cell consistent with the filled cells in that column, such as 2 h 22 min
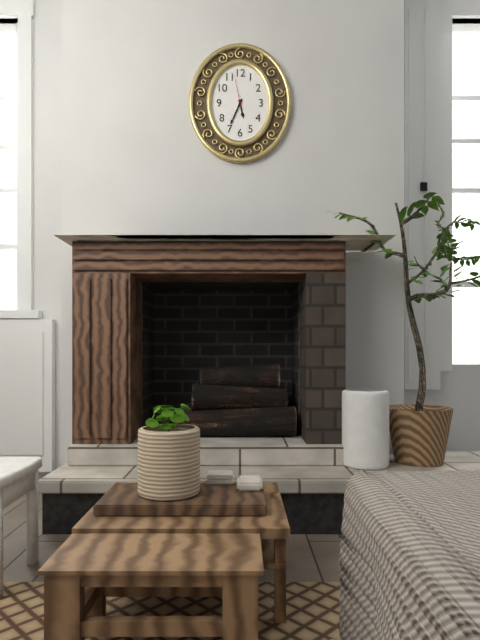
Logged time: 5 h 34 min
